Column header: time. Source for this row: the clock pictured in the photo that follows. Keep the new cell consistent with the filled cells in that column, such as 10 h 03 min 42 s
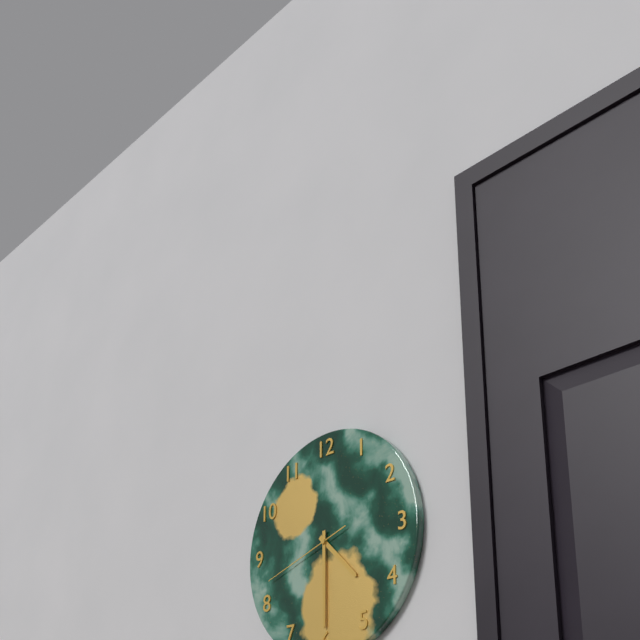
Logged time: 4 h 30 min 42 s
